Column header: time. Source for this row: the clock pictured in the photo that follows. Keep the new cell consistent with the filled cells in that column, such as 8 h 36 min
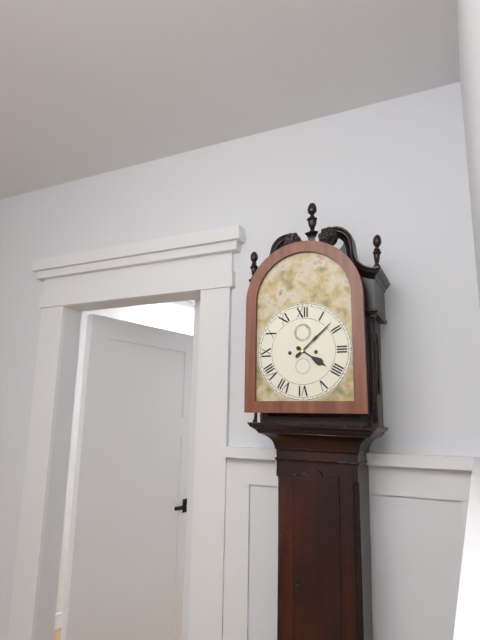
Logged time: 4 h 08 min
